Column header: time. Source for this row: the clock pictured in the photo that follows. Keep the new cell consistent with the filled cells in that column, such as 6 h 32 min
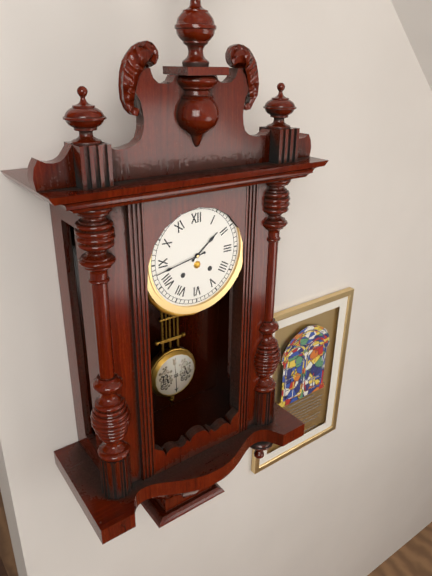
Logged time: 1 h 43 min
